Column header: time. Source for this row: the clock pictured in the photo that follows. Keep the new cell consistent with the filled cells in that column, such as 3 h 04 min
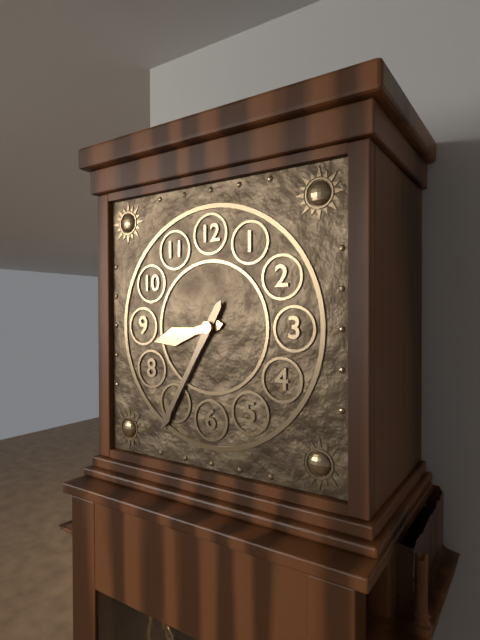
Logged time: 8 h 35 min
